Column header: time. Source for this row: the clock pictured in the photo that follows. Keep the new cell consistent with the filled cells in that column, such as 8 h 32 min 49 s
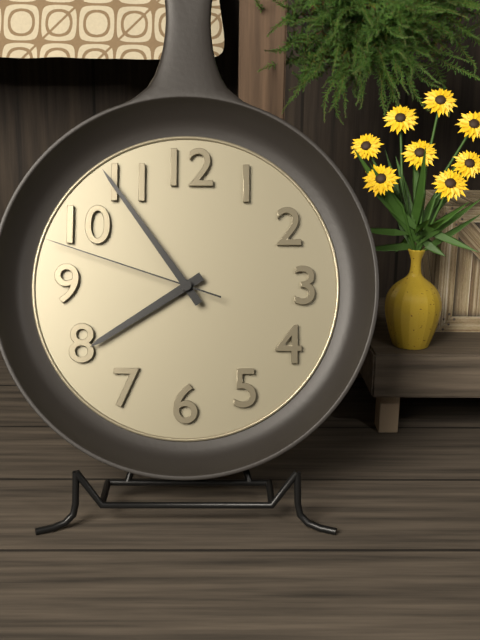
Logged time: 7 h 54 min 48 s
